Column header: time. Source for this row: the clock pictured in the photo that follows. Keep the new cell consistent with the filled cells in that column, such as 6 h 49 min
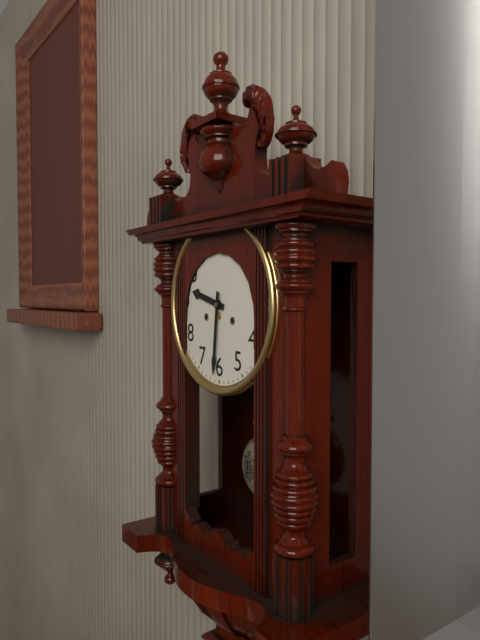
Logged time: 9 h 31 min
